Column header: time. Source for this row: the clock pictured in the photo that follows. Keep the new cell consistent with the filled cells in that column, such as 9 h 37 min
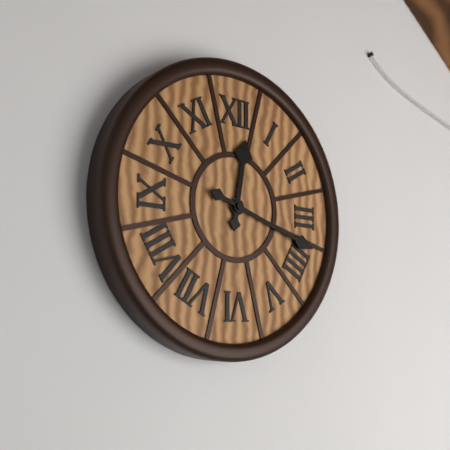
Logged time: 12 h 18 min
